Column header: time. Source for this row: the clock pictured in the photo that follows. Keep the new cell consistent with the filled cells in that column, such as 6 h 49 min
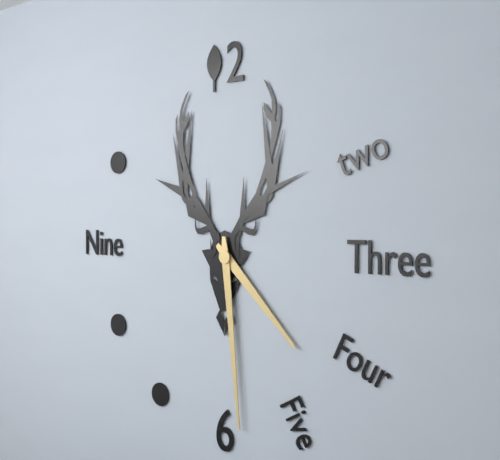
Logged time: 4 h 29 min
